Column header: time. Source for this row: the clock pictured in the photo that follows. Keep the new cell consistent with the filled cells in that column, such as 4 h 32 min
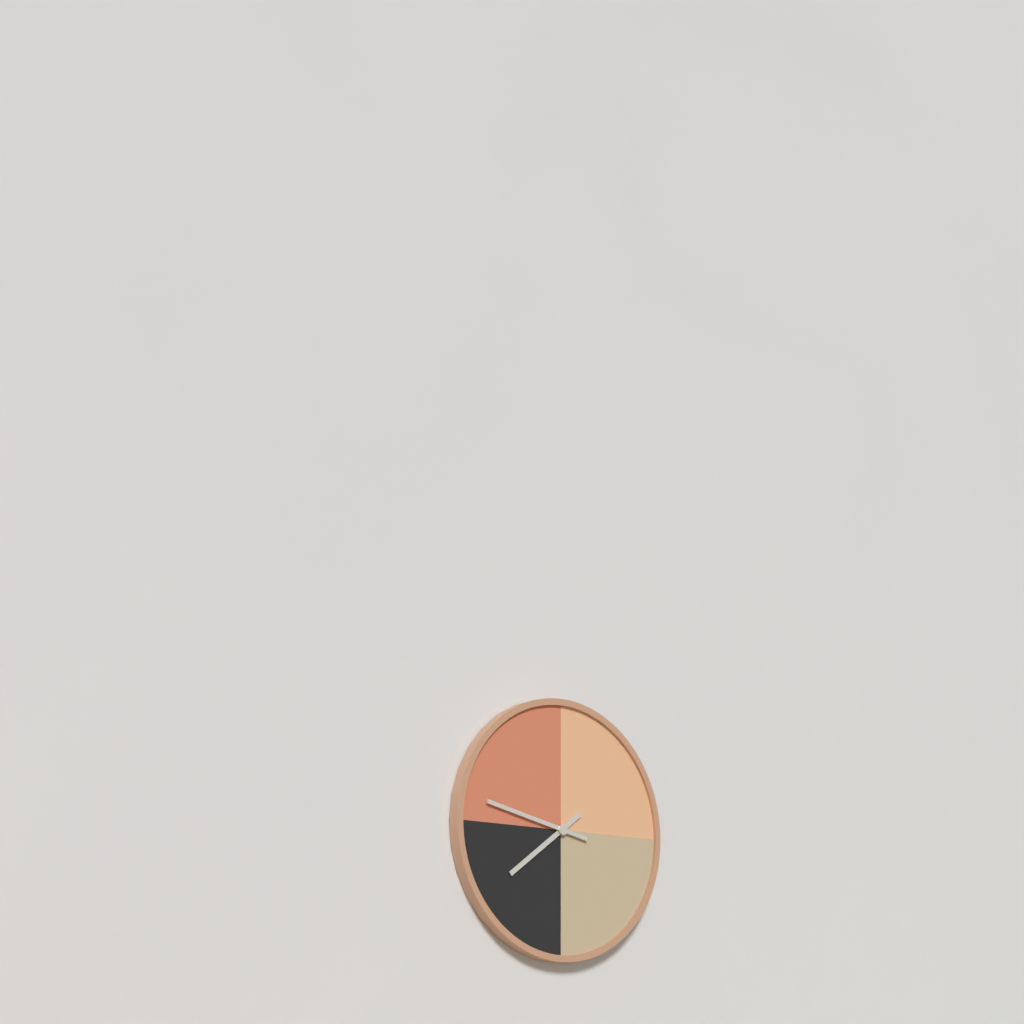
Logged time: 7 h 47 min
